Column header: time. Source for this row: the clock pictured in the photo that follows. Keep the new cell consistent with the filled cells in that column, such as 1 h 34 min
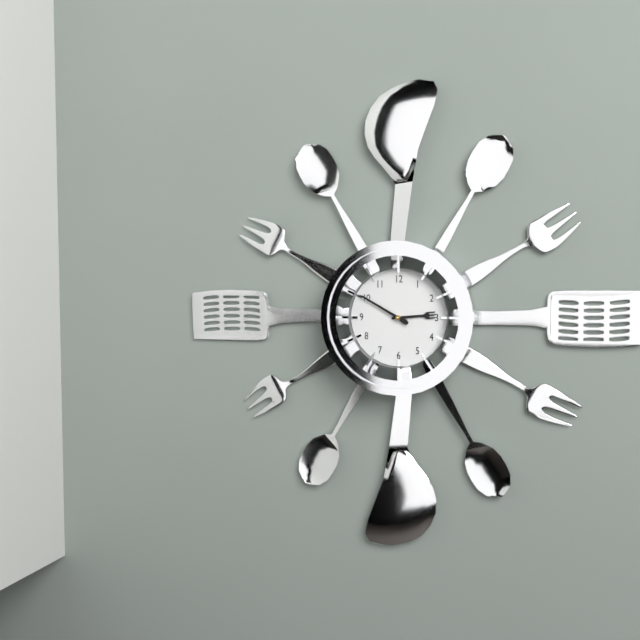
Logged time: 2 h 50 min
